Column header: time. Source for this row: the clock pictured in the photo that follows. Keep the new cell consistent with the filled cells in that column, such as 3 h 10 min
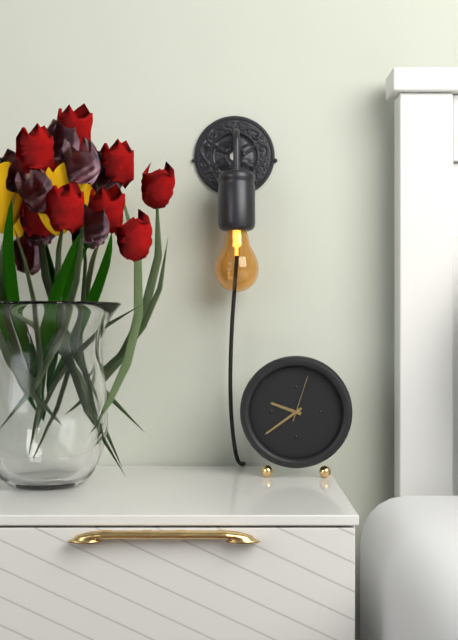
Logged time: 9 h 39 min
